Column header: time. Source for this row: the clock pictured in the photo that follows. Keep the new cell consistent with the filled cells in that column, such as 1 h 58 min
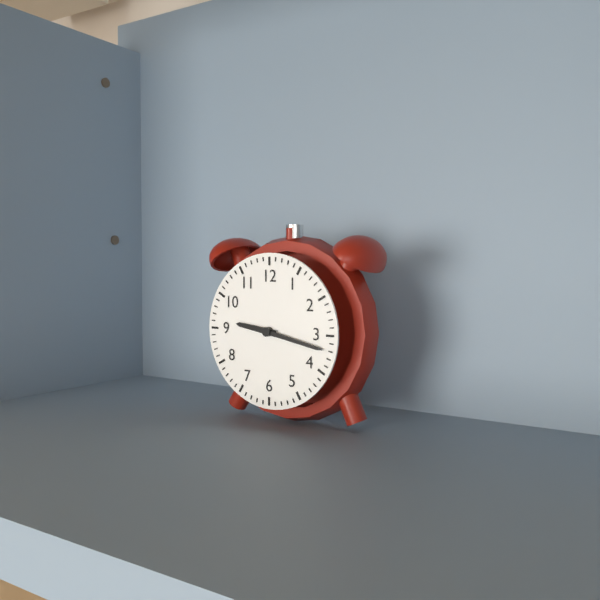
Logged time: 9 h 17 min
